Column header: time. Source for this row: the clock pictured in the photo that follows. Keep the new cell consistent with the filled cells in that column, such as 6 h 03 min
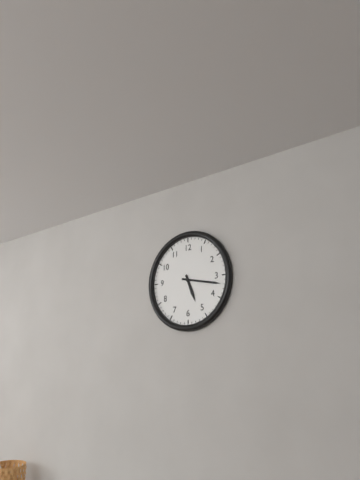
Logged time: 5 h 17 min
